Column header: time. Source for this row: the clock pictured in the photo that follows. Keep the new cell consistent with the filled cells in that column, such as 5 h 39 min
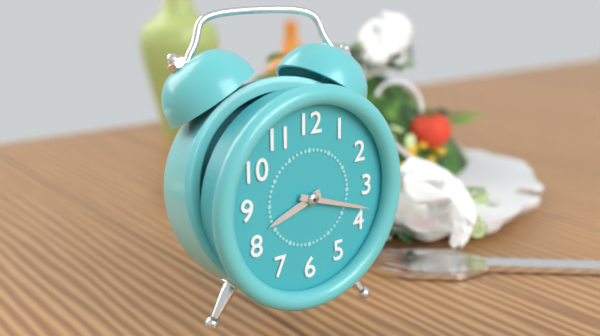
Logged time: 8 h 18 min
